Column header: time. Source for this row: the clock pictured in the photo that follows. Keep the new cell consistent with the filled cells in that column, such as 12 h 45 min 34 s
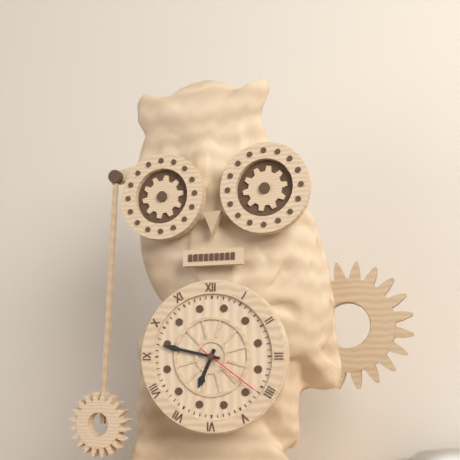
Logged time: 6 h 47 min 21 s
